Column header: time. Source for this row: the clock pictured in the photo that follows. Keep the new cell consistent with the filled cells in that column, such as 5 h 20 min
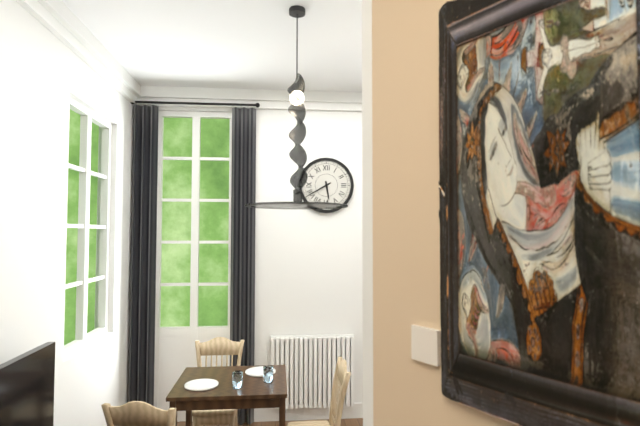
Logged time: 5 h 40 min
